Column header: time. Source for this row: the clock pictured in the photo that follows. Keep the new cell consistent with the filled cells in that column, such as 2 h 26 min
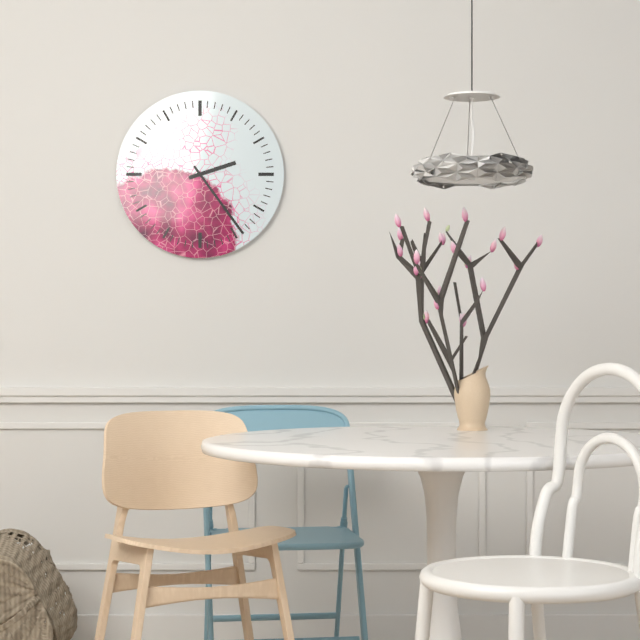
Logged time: 2 h 24 min
